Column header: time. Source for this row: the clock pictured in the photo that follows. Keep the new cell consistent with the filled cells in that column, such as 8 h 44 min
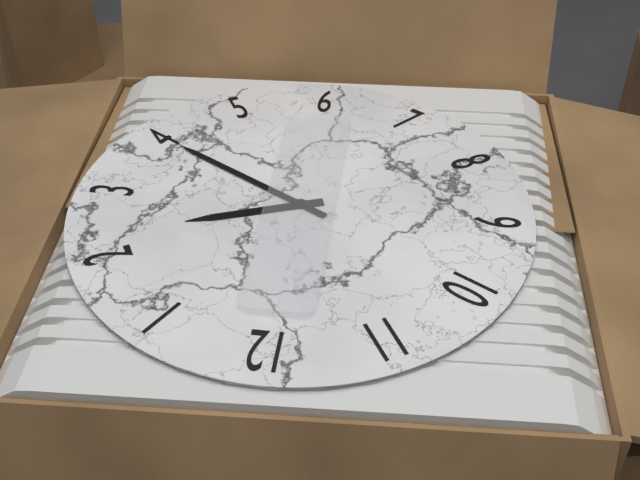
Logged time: 2 h 20 min
